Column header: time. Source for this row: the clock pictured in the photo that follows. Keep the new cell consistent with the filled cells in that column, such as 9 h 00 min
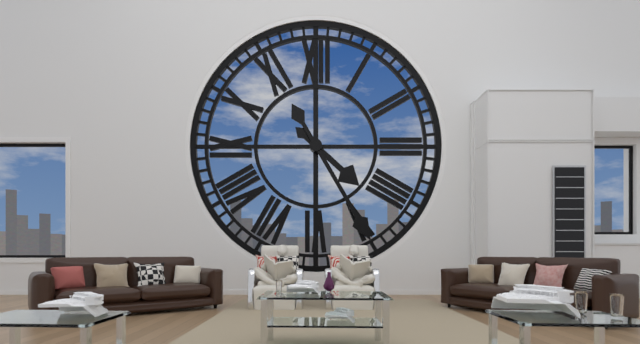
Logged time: 4 h 25 min
